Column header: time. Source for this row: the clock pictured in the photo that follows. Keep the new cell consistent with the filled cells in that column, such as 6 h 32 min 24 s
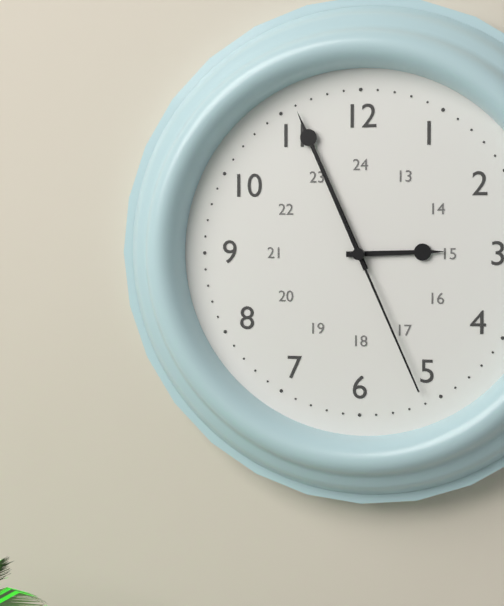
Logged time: 2 h 56 min 26 s
